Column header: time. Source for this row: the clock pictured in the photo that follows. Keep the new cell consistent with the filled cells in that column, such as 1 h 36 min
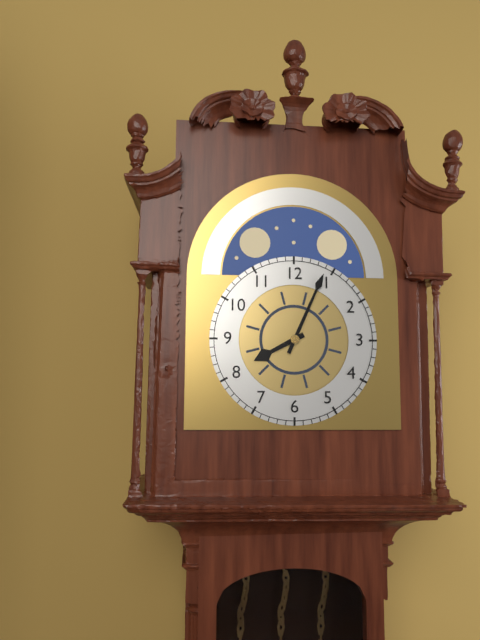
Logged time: 8 h 04 min
